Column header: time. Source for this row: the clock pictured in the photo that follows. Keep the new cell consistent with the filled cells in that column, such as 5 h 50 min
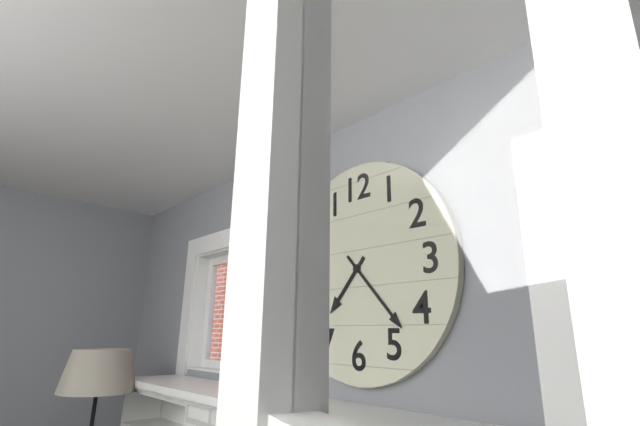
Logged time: 7 h 23 min
